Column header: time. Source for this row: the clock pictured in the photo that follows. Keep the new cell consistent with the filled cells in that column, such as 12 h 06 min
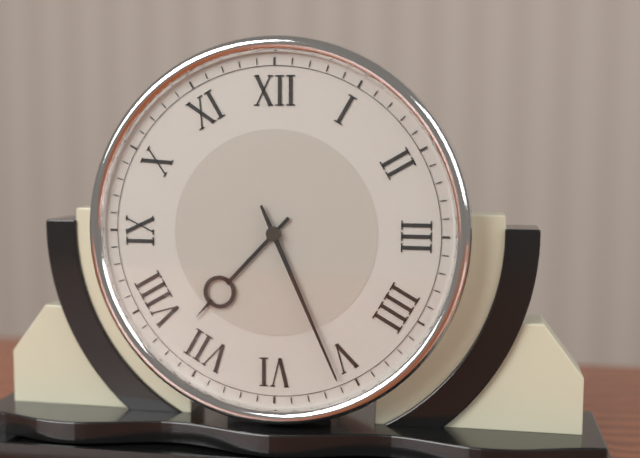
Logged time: 7 h 26 min
